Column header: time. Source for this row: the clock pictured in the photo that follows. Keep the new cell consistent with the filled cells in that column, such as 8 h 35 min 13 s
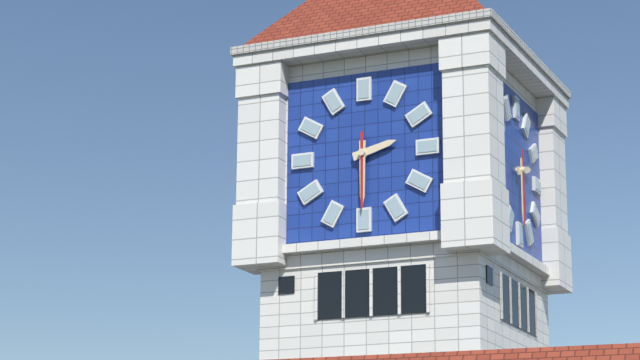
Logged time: 2 h 30 min 30 s
